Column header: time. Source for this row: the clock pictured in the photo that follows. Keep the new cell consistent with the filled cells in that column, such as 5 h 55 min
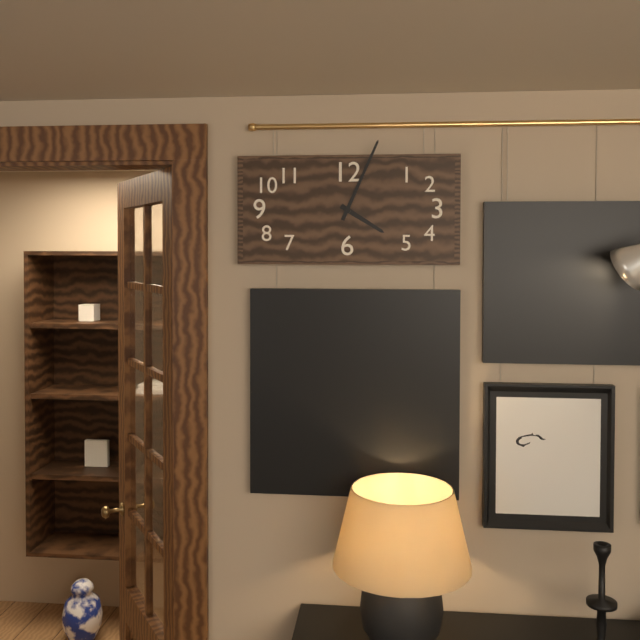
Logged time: 4 h 04 min
